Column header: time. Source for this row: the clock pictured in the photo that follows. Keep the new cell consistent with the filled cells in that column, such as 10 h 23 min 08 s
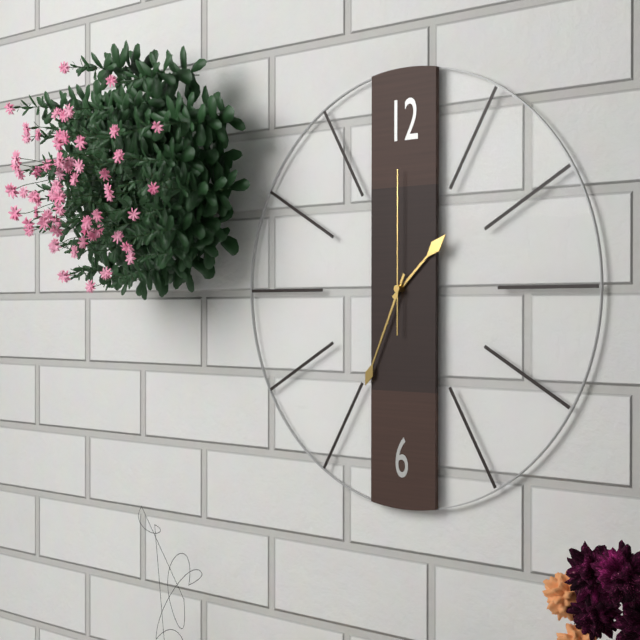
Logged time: 1 h 34 min 00 s
